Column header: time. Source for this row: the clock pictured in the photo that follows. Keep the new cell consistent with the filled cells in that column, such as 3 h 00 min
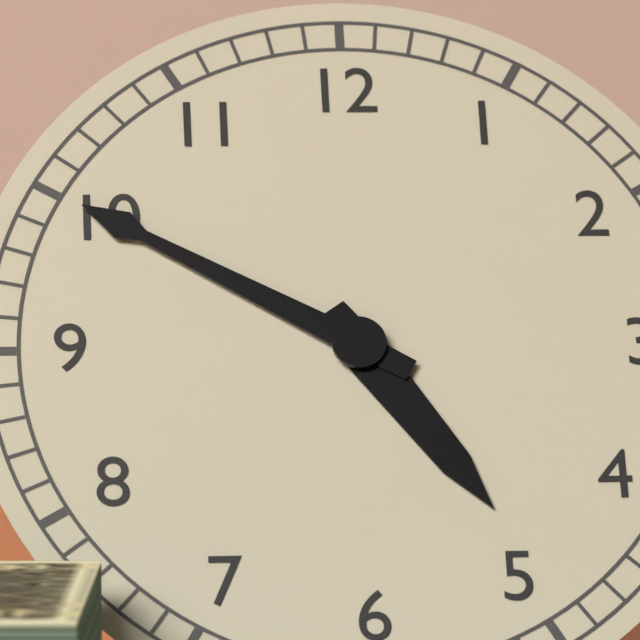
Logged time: 4 h 50 min
